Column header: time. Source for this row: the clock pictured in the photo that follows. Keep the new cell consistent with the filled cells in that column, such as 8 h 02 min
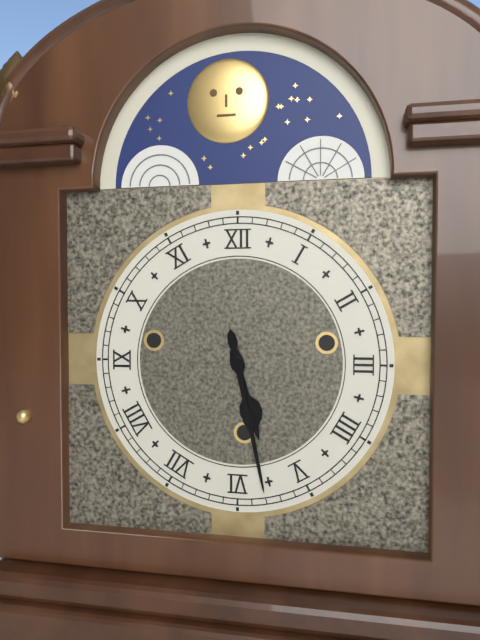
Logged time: 5 h 28 min
